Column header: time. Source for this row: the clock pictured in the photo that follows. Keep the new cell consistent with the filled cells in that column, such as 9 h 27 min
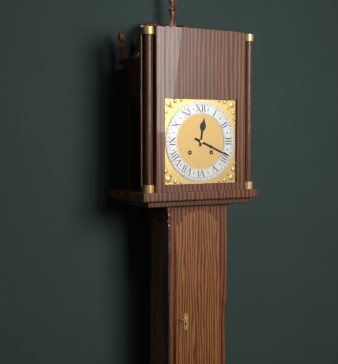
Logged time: 12 h 19 min
